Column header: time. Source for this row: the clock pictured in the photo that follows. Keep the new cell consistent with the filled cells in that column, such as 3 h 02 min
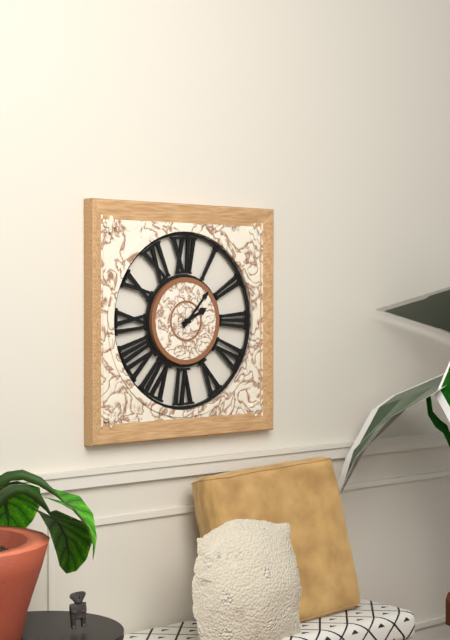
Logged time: 2 h 07 min
